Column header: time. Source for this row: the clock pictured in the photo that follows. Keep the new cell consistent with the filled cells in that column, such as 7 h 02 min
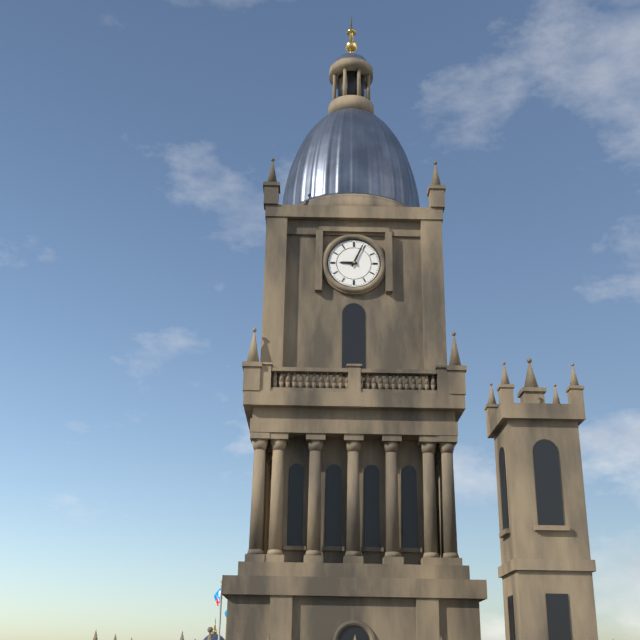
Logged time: 9 h 04 min
